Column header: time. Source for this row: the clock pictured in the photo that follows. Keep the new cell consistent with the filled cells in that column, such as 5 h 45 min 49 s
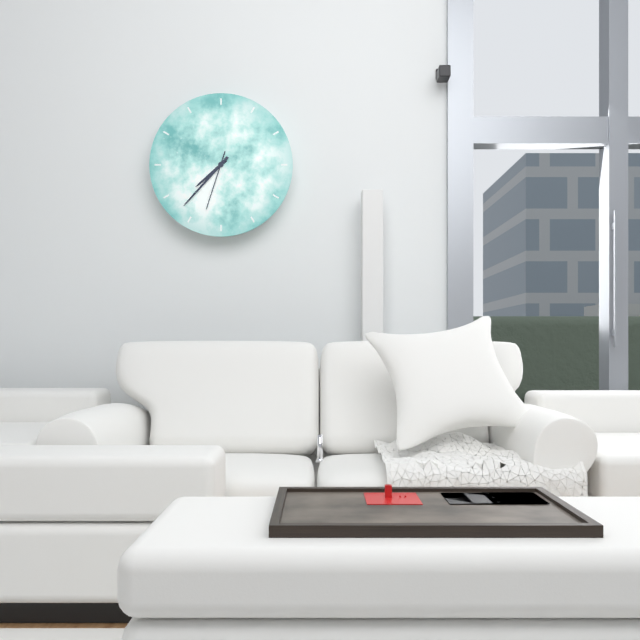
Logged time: 7 h 37 min 33 s
